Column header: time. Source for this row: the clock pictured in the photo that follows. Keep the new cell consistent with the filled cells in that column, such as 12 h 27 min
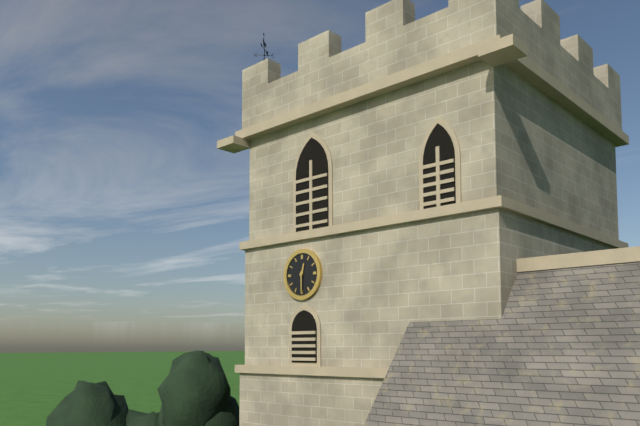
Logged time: 12 h 30 min
